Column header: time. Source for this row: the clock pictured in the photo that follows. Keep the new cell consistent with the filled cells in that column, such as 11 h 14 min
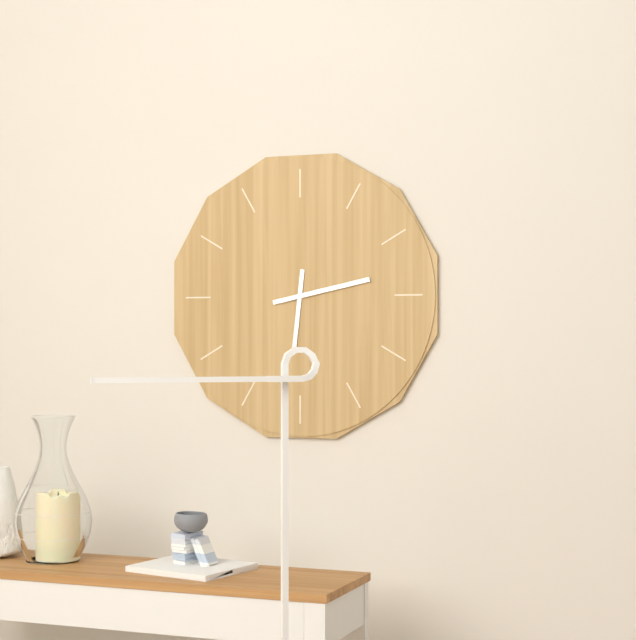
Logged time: 6 h 13 min
